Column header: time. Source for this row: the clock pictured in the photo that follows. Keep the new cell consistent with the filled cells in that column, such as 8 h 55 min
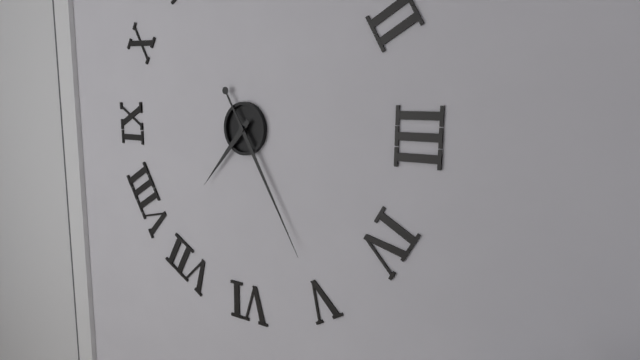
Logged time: 7 h 25 min
